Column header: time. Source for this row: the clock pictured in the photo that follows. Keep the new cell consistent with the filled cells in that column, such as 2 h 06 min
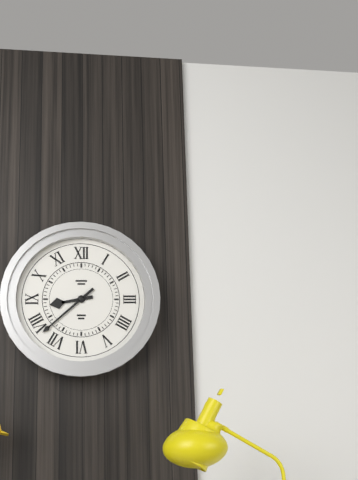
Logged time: 8 h 38 min
